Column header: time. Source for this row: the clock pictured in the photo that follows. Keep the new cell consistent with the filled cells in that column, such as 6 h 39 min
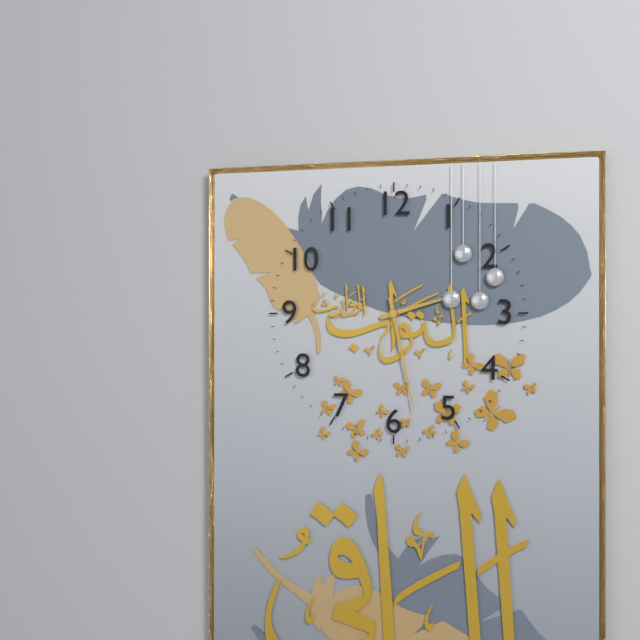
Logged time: 2 h 28 min
